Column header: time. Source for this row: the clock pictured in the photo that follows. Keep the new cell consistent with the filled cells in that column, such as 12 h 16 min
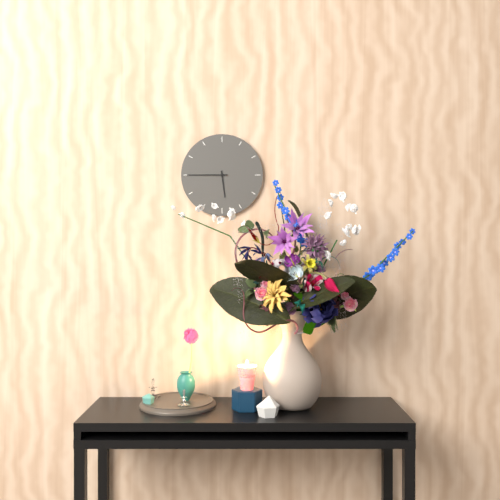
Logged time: 5 h 45 min
